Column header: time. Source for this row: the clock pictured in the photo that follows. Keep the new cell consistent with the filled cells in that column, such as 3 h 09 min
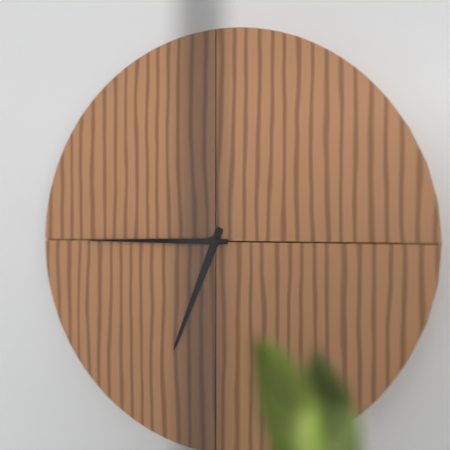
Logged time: 6 h 45 min
